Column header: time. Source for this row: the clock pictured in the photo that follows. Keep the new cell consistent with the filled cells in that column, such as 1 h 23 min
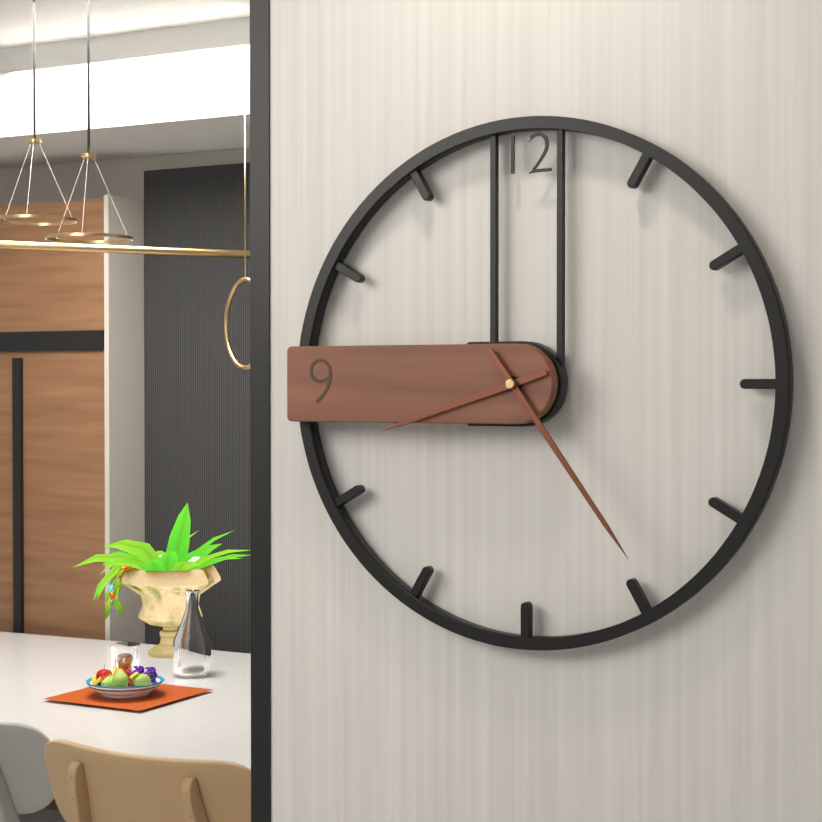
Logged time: 8 h 24 min
